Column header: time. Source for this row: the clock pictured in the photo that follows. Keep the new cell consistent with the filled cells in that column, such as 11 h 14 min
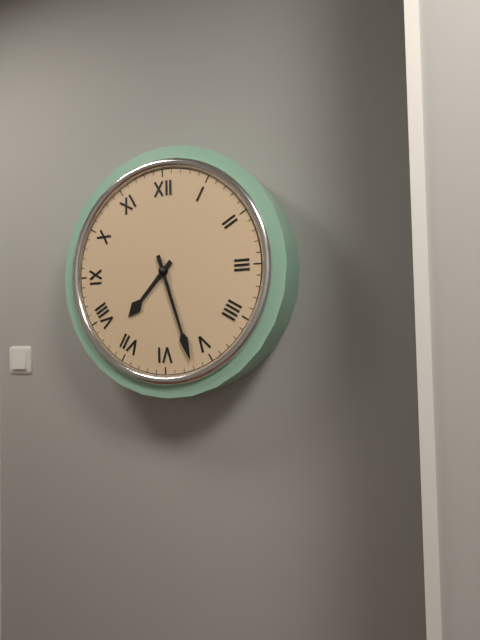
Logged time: 7 h 27 min
